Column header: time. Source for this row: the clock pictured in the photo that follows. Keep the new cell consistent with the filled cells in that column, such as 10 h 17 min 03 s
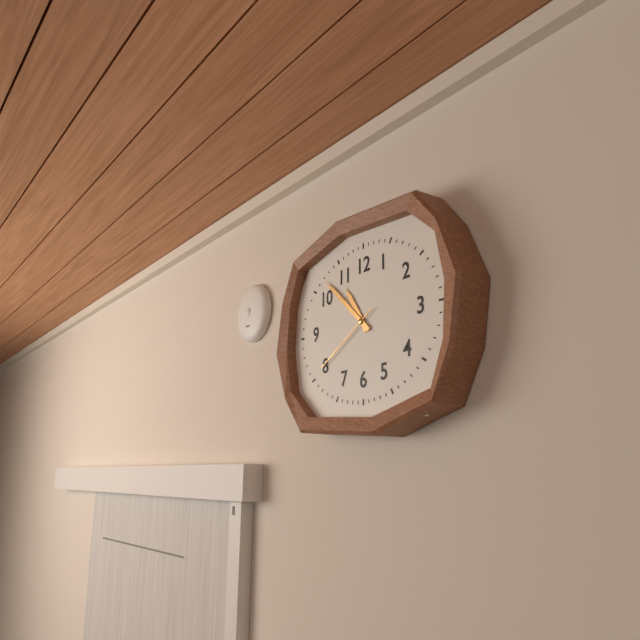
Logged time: 10 h 52 min 40 s
